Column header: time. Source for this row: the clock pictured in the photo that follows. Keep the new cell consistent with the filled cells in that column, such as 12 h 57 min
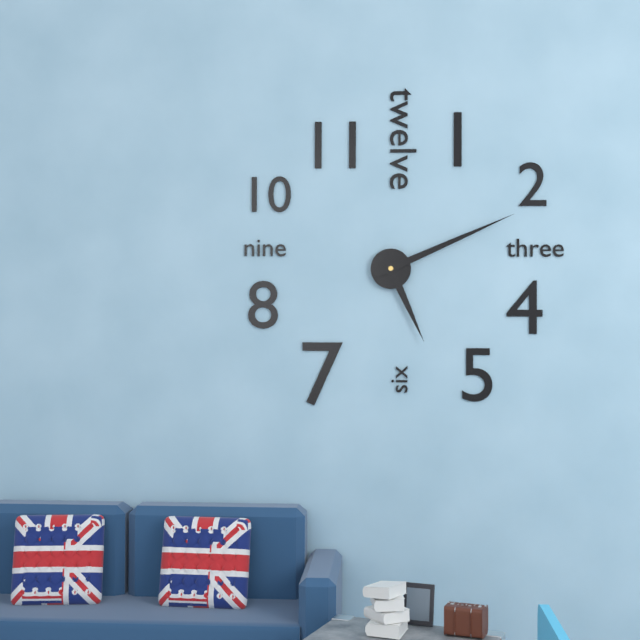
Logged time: 5 h 11 min
